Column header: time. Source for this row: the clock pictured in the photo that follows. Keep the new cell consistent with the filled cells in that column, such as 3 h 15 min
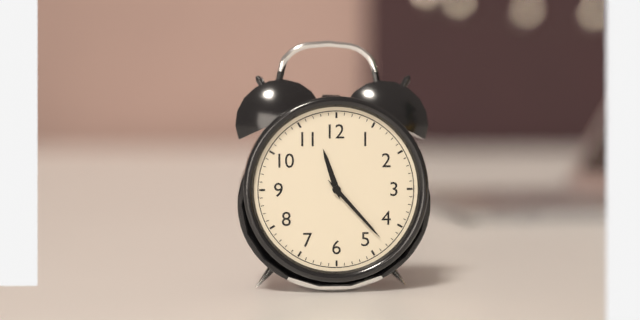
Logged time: 11 h 23 min
